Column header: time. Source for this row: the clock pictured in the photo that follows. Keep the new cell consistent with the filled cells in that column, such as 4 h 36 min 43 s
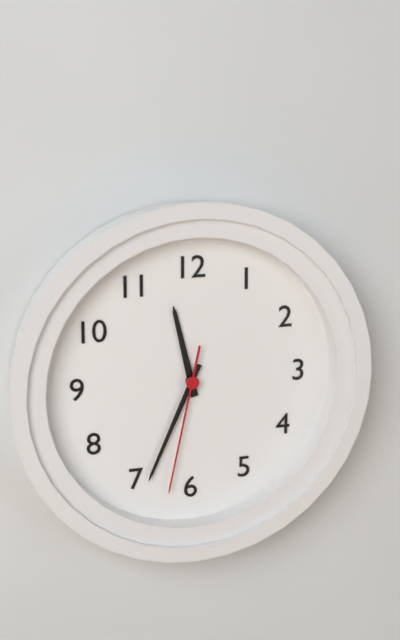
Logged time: 11 h 34 min 32 s
